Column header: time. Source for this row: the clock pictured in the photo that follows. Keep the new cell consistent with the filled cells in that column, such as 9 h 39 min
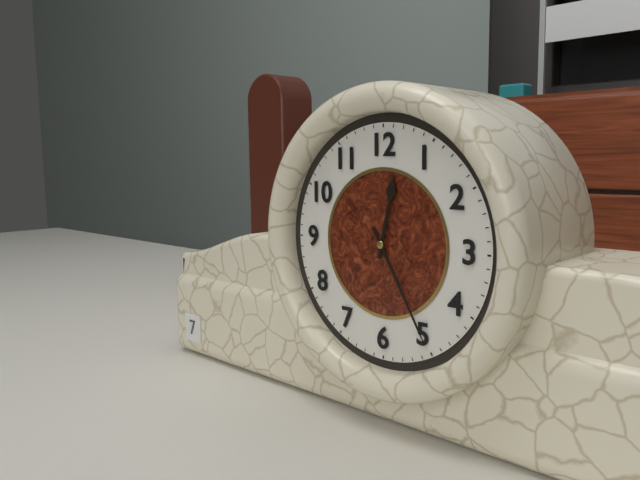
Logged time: 12 h 25 min
